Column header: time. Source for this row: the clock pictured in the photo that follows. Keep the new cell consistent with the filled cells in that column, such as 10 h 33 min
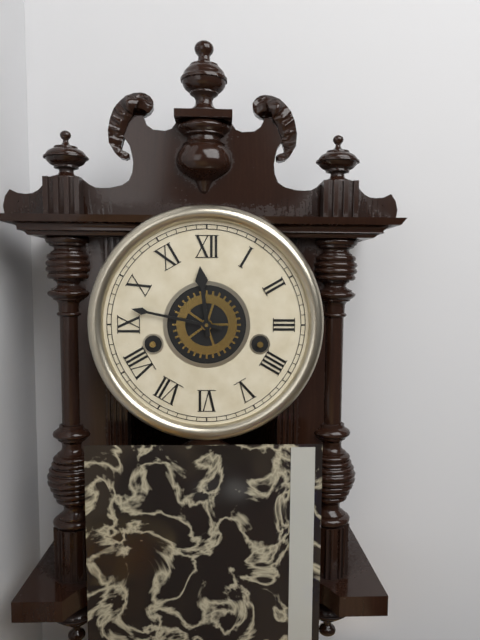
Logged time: 11 h 47 min
